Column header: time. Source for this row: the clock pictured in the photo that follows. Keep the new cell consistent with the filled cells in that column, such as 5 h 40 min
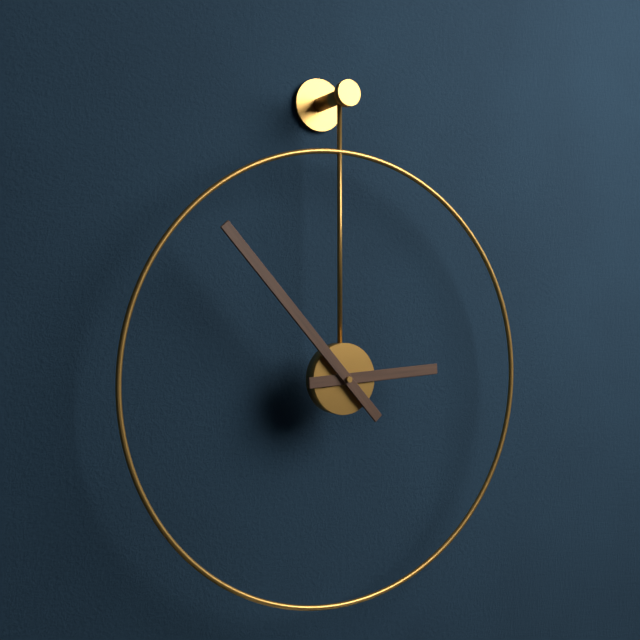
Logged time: 2 h 53 min
